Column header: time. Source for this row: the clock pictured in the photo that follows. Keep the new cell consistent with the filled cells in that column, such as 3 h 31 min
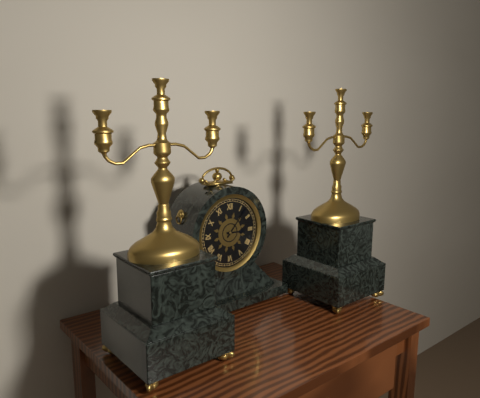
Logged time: 3 h 07 min
